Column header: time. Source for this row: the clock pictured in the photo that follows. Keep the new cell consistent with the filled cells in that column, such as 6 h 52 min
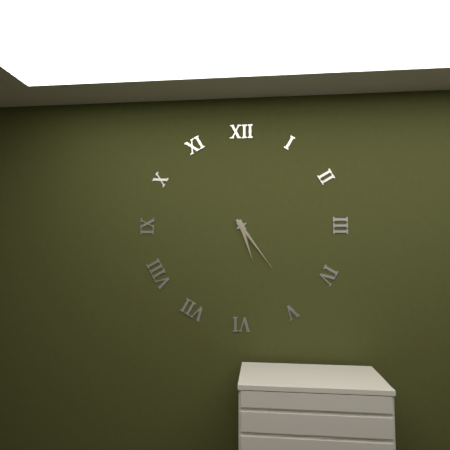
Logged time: 5 h 24 min
